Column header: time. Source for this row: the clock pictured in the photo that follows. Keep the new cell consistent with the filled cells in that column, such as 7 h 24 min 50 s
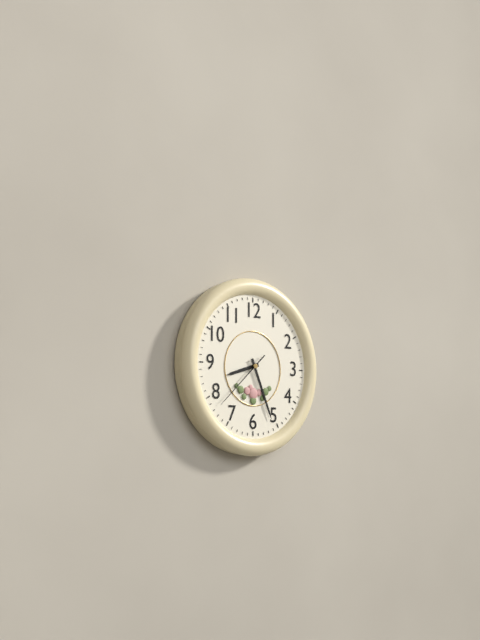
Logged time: 8 h 26 min 38 s
